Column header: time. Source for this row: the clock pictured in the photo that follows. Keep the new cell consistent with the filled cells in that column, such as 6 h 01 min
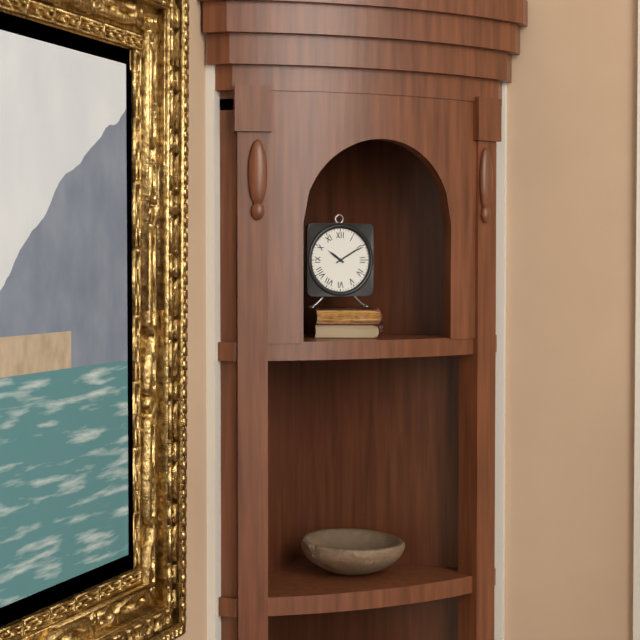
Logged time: 10 h 10 min
